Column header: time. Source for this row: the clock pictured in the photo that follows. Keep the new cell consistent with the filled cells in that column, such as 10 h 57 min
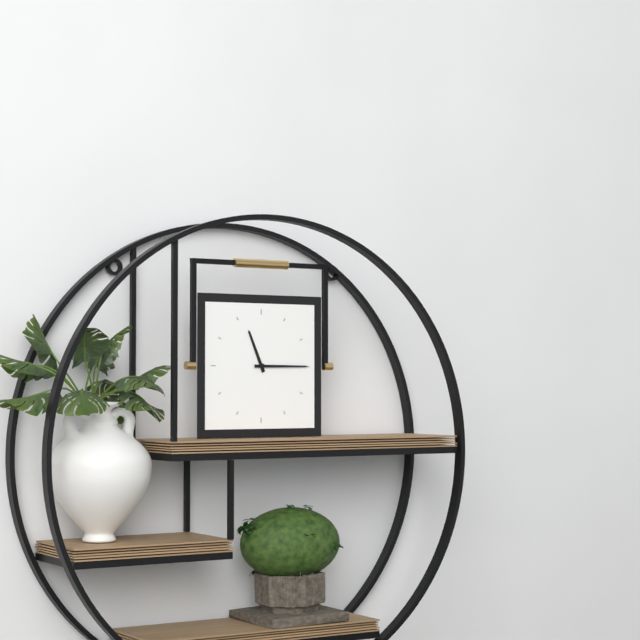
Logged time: 11 h 15 min
